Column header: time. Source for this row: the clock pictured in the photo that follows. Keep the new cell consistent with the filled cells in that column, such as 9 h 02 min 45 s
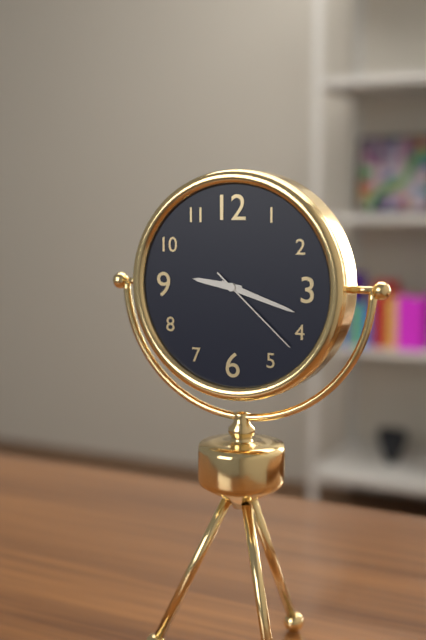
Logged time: 9 h 18 min 22 s
